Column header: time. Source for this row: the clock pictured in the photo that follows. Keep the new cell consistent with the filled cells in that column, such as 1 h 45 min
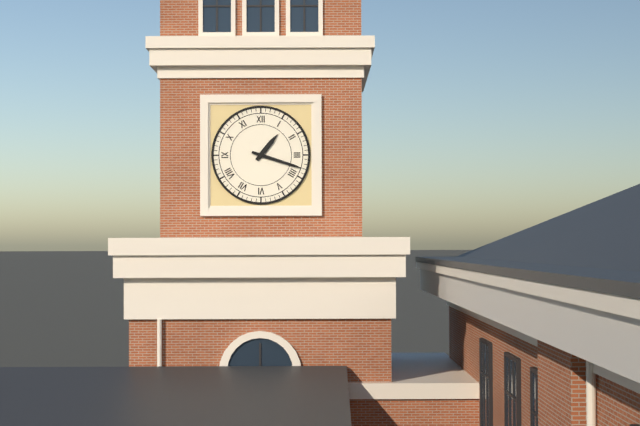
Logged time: 1 h 18 min
